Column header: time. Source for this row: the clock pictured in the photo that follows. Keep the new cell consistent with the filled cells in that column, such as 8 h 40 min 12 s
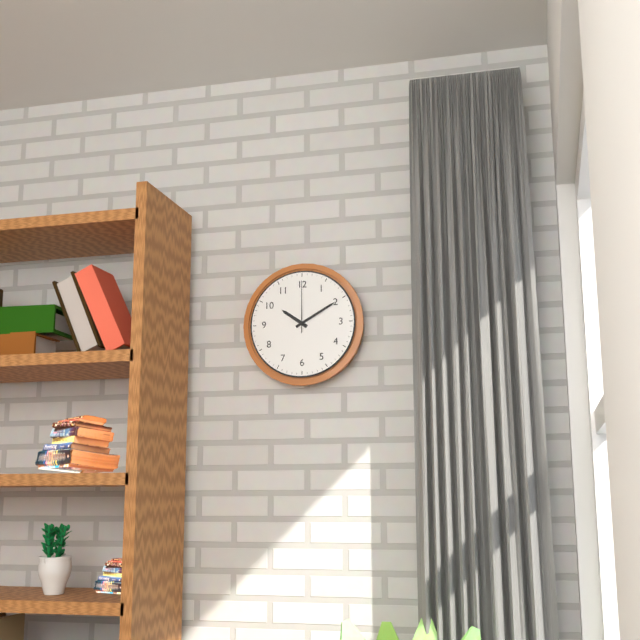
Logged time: 10 h 10 min 00 s
